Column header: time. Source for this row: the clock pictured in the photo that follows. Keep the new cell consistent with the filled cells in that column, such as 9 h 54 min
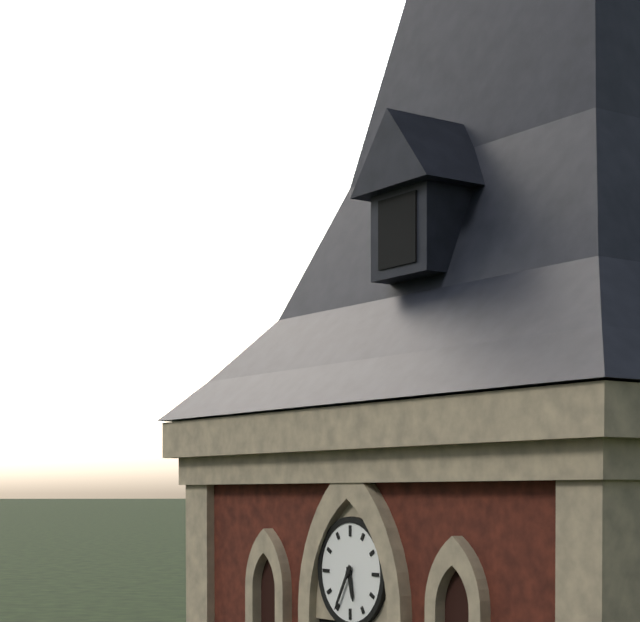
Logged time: 5 h 35 min
